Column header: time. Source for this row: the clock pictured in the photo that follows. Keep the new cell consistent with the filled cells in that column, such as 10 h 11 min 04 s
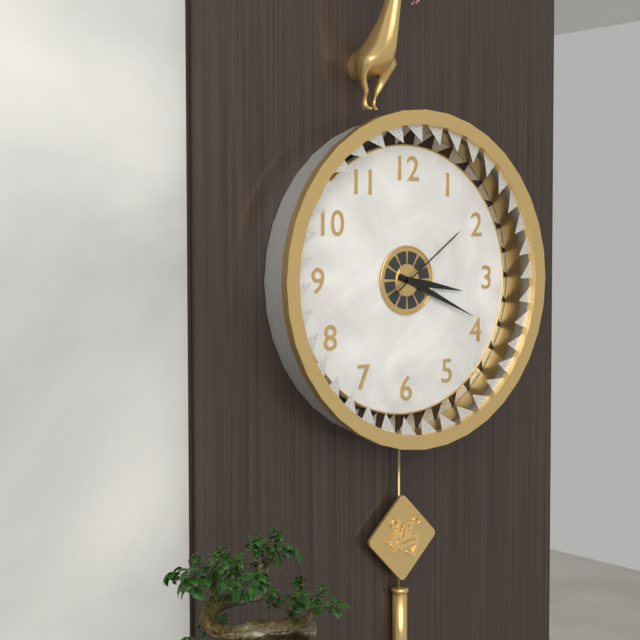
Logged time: 3 h 19 min 09 s
